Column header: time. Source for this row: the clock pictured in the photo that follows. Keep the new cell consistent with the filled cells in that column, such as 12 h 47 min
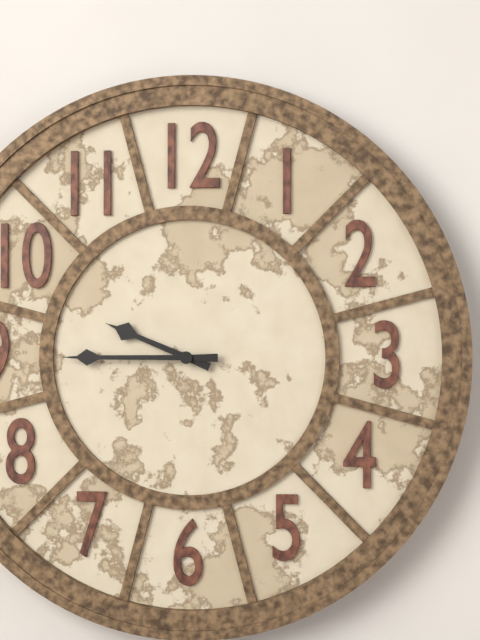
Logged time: 9 h 45 min
